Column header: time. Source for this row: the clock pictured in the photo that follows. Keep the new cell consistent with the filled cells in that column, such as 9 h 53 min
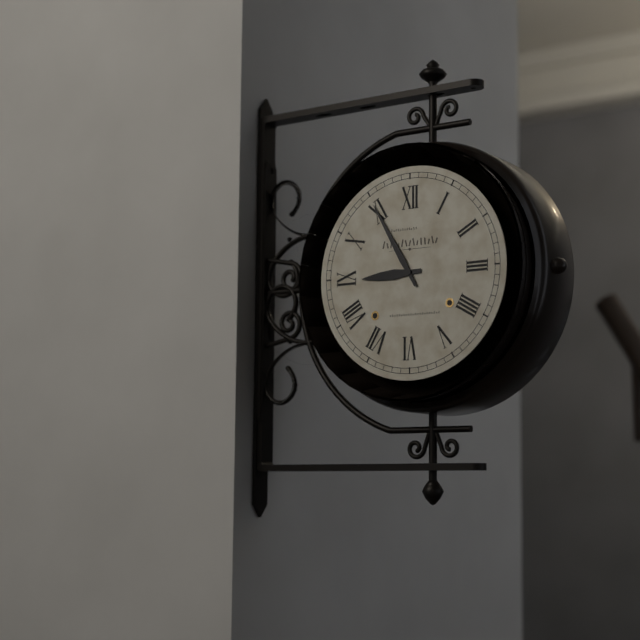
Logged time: 8 h 55 min
